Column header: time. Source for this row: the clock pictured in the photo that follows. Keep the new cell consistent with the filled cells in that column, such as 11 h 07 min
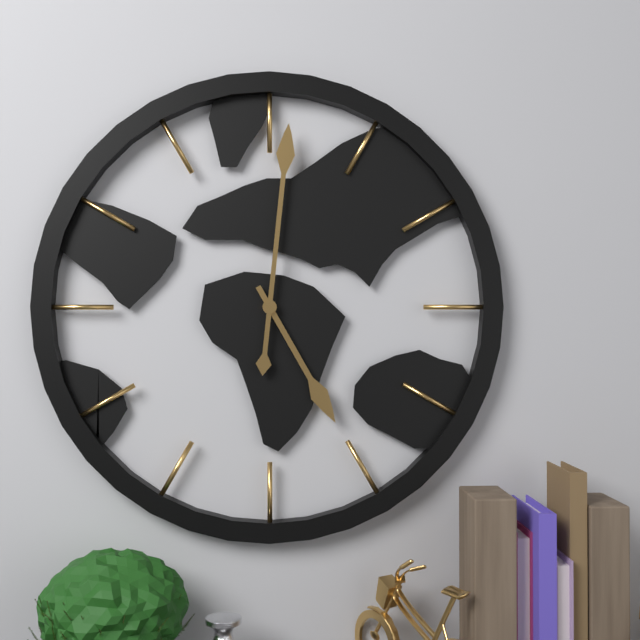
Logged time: 5 h 01 min
